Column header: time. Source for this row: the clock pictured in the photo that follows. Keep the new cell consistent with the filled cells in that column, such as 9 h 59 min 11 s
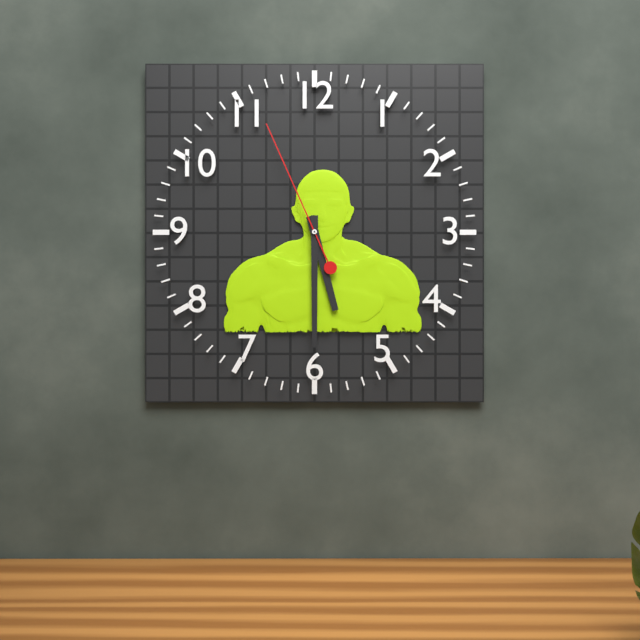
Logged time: 5 h 30 min 56 s
